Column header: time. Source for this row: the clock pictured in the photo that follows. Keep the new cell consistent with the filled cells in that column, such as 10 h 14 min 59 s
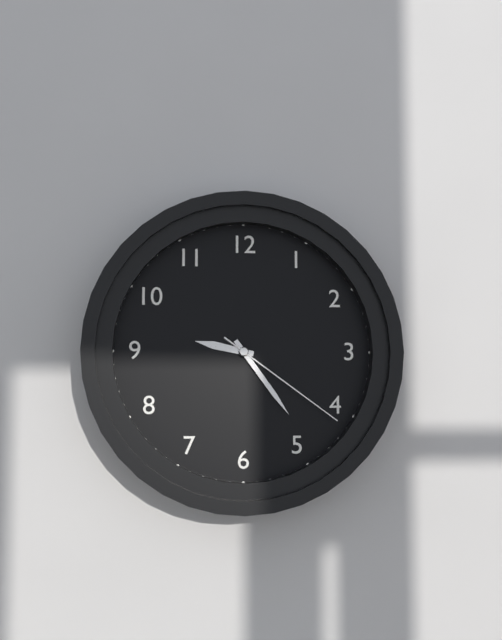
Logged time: 9 h 24 min 21 s
